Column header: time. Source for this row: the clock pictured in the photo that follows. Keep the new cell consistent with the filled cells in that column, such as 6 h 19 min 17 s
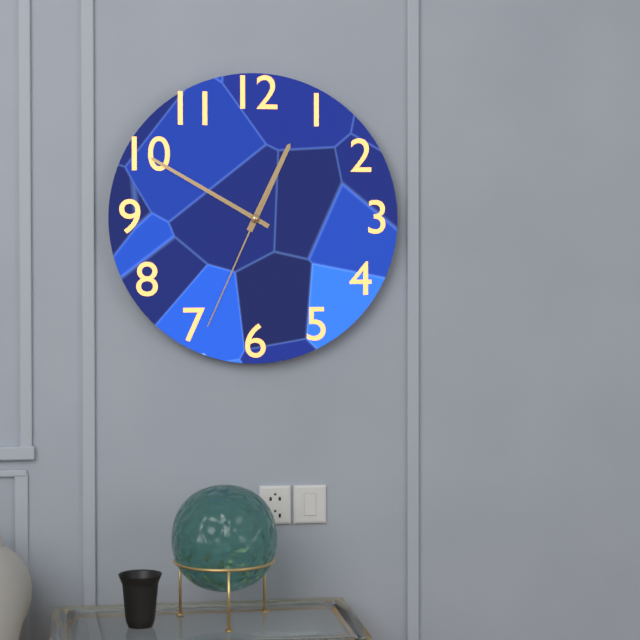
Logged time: 12 h 50 min 34 s
